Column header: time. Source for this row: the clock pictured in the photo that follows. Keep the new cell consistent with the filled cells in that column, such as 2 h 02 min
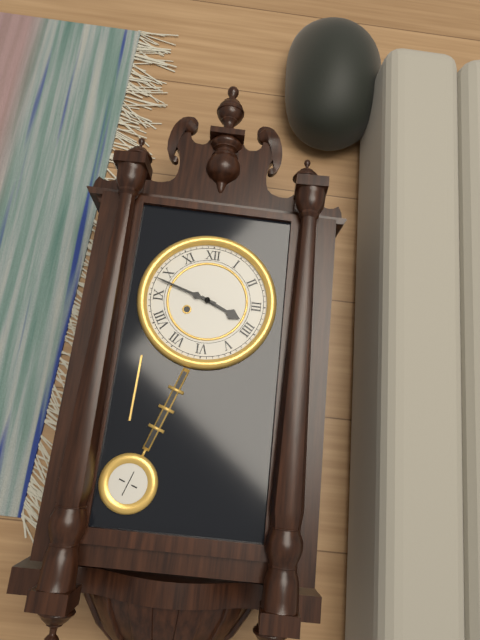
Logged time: 3 h 48 min
